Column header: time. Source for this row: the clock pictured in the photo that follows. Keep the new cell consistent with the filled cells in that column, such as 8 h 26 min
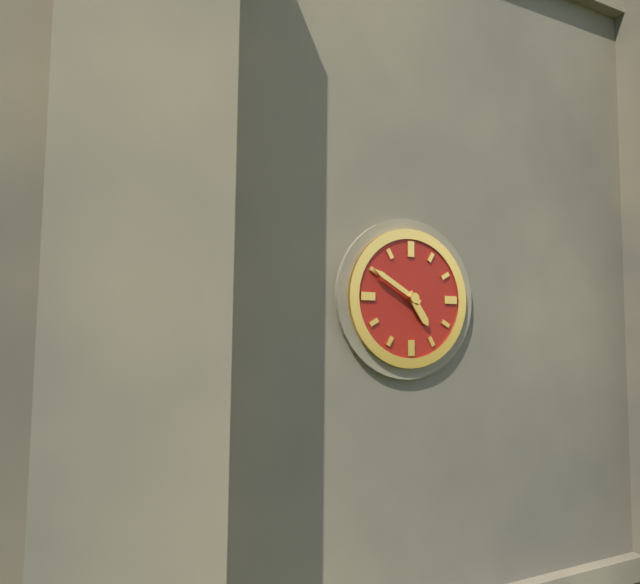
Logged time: 4 h 50 min
